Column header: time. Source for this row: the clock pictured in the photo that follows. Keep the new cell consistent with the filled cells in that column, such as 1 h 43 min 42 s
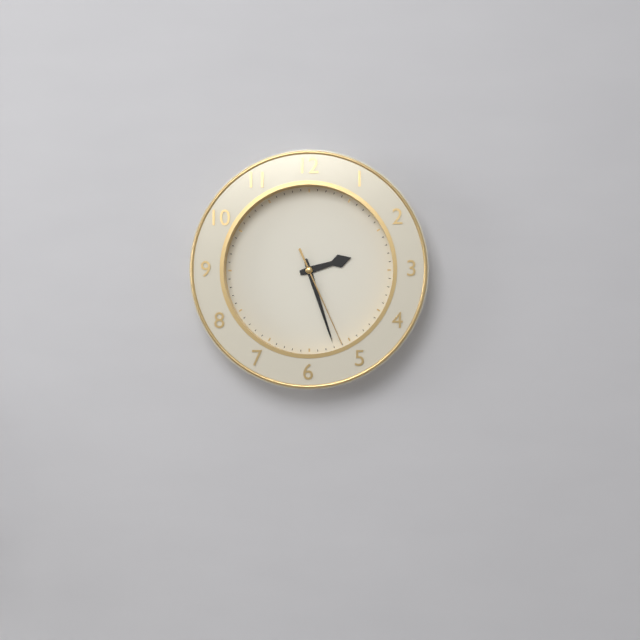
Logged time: 2 h 27 min 26 s
